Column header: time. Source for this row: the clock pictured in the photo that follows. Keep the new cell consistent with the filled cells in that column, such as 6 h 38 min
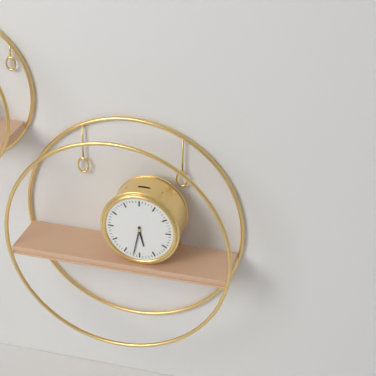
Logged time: 5 h 32 min
